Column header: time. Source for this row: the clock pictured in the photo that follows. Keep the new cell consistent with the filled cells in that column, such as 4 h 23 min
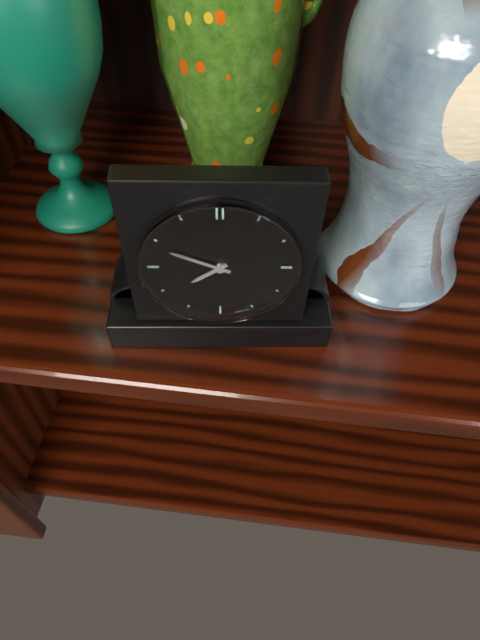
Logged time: 7 h 49 min
